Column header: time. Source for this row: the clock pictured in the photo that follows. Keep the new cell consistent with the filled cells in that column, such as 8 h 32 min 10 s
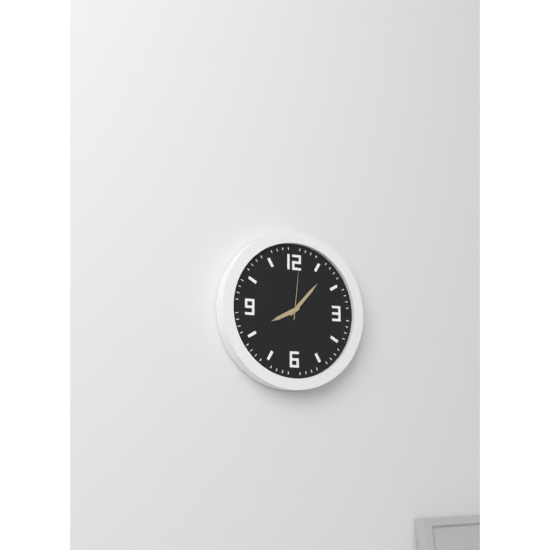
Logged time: 8 h 07 min 01 s
